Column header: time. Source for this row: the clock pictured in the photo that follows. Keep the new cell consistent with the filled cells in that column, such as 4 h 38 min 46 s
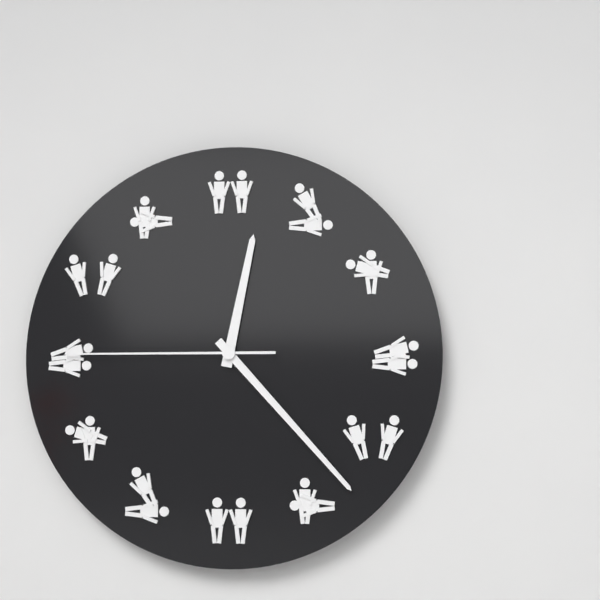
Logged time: 12 h 23 min 45 s
